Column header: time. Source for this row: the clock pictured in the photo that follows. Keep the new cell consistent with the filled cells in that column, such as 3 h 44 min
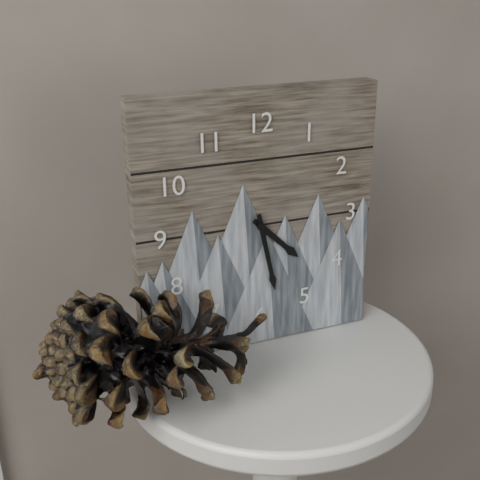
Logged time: 4 h 28 min
